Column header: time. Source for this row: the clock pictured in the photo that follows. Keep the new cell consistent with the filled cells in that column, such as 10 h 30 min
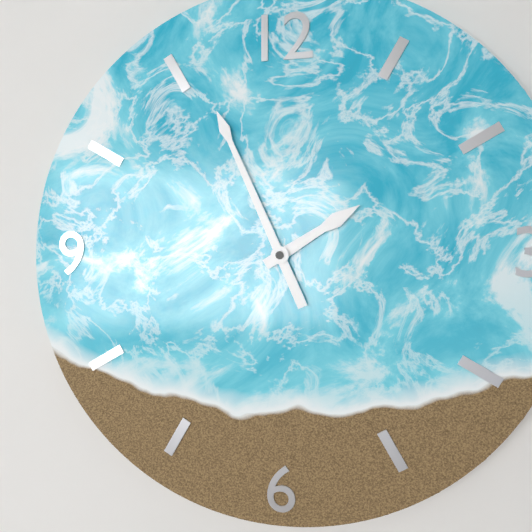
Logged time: 1 h 56 min
